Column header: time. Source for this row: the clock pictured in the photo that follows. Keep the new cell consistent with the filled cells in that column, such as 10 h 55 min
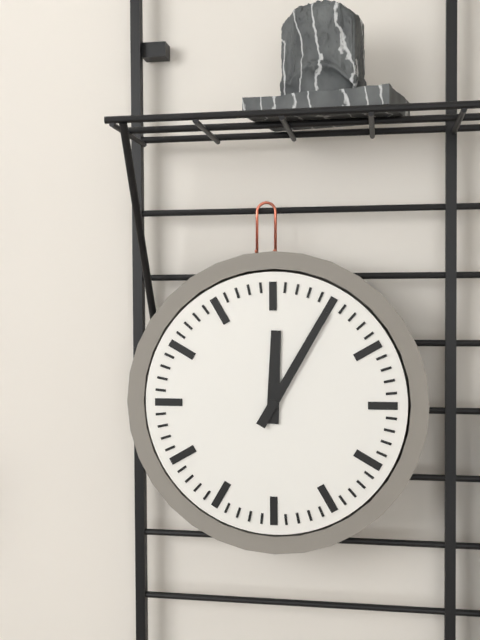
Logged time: 12 h 05 min
